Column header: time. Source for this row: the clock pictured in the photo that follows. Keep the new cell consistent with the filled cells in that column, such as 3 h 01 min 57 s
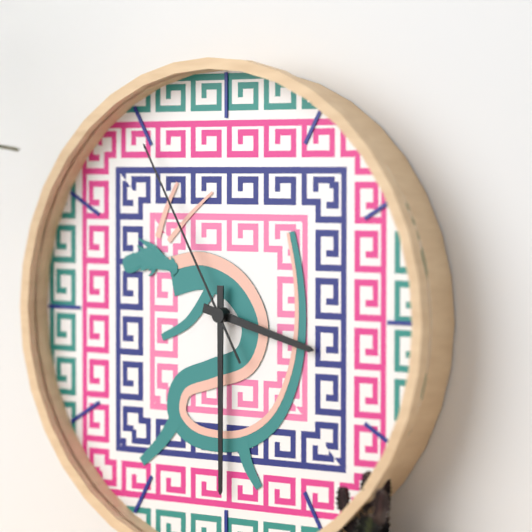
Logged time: 3 h 30 min 55 s
